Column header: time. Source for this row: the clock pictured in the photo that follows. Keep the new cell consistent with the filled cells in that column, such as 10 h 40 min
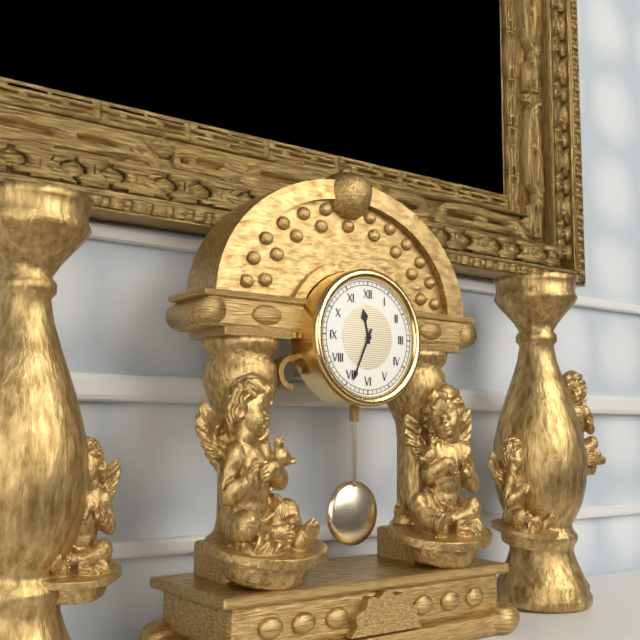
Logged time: 11 h 34 min
